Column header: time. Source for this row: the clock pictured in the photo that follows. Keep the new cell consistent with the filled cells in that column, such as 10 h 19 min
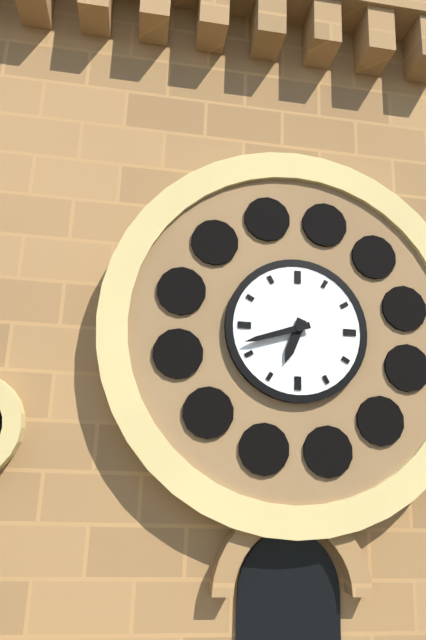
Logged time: 6 h 42 min
